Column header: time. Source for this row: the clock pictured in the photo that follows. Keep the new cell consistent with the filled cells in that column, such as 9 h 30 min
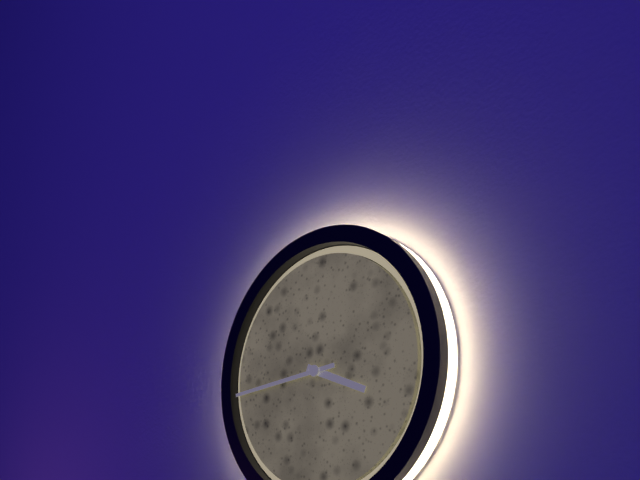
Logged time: 3 h 44 min
